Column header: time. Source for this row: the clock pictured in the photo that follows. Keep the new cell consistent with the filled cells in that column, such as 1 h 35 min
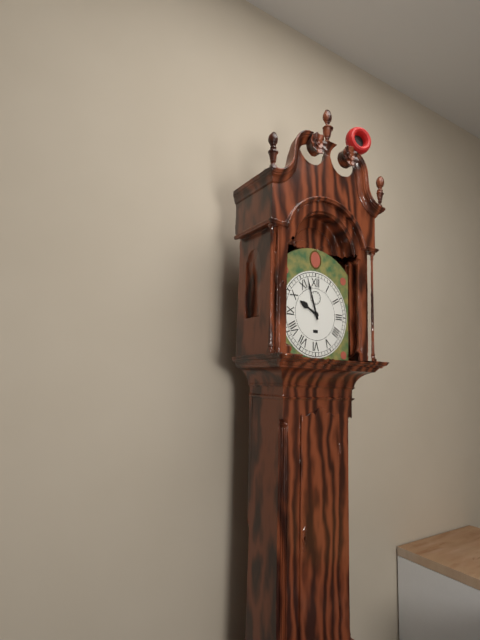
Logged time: 9 h 57 min
